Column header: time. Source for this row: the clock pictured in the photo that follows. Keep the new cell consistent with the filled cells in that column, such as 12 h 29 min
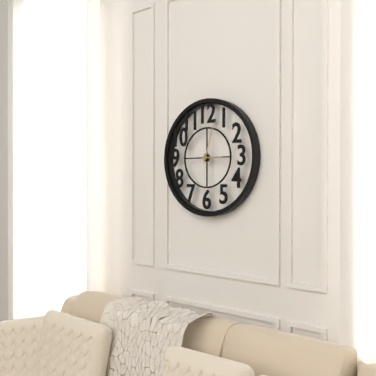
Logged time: 3 h 03 min
